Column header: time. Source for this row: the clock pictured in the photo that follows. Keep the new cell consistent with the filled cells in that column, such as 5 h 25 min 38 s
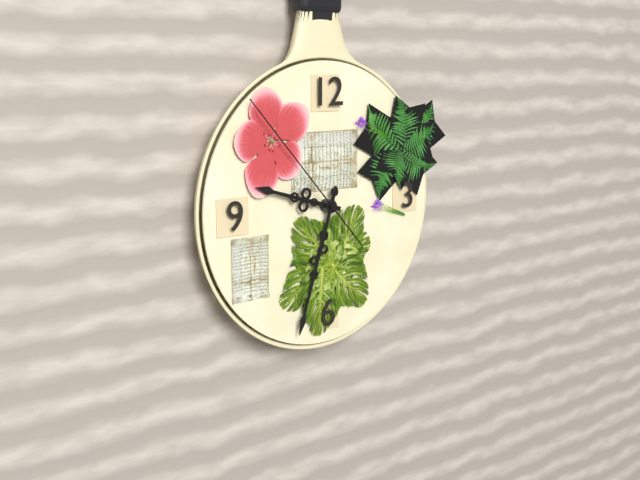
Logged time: 9 h 33 min 53 s
